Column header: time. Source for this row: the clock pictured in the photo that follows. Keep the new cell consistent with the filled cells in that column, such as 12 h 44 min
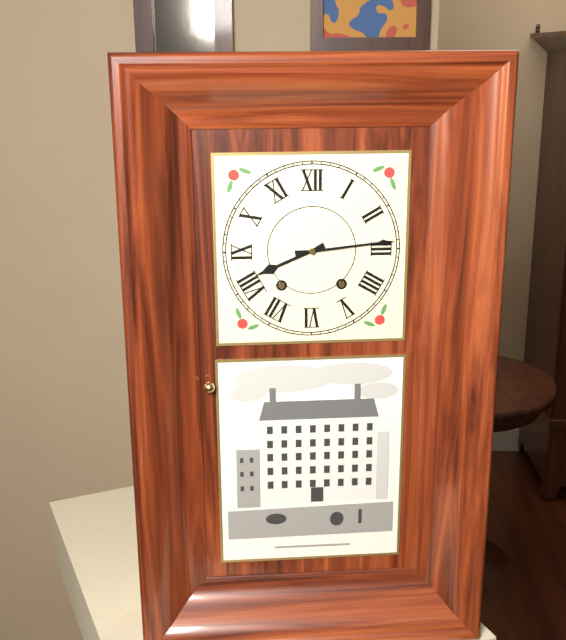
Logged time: 8 h 14 min
